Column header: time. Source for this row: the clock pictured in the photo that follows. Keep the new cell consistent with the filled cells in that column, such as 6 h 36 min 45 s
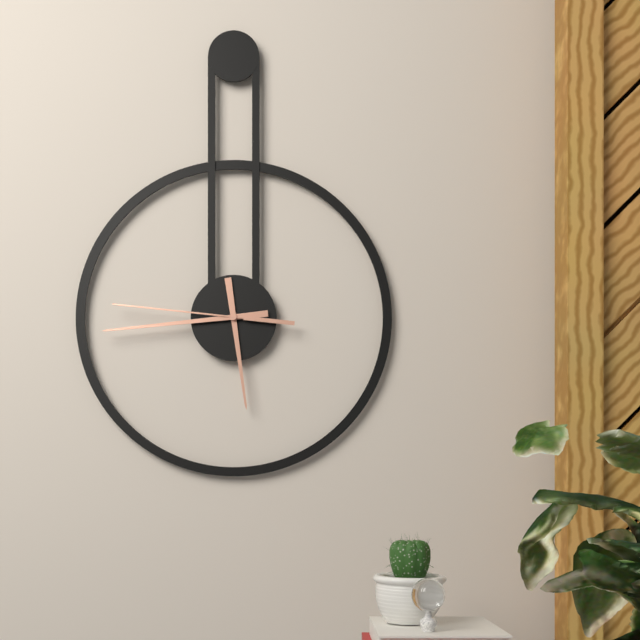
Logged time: 5 h 44 min 46 s
